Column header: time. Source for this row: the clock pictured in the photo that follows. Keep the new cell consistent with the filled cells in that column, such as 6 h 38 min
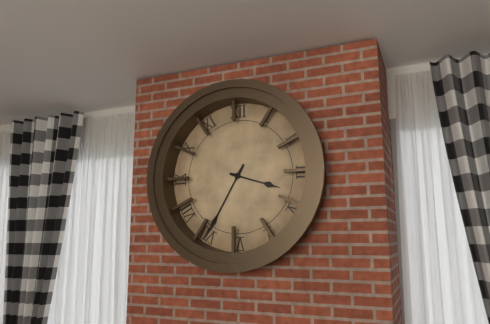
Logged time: 3 h 35 min
